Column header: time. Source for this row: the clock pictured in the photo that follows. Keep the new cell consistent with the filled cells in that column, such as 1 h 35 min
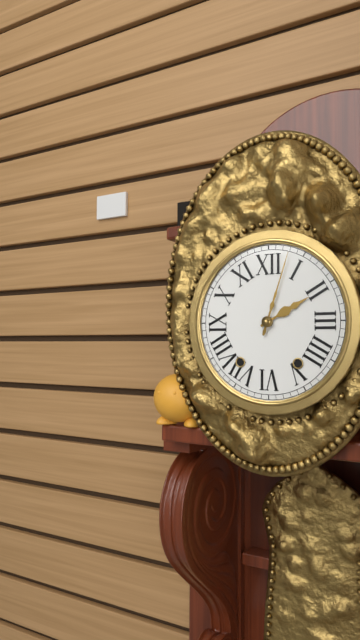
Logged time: 2 h 03 min
